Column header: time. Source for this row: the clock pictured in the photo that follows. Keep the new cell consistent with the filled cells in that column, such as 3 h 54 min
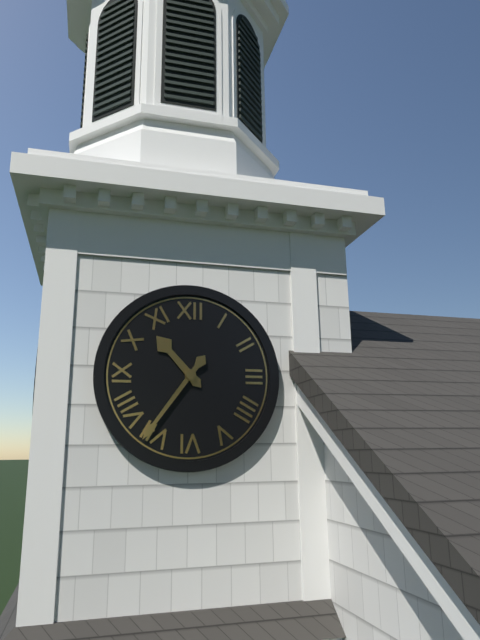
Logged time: 10 h 36 min
